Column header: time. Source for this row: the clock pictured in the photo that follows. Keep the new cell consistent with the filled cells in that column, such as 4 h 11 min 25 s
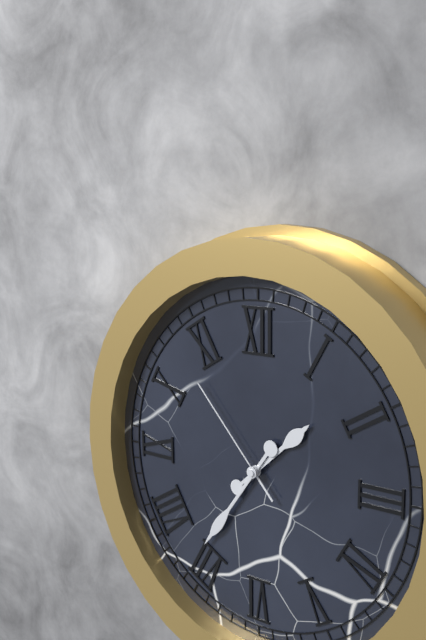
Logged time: 1 h 36 min 53 s
